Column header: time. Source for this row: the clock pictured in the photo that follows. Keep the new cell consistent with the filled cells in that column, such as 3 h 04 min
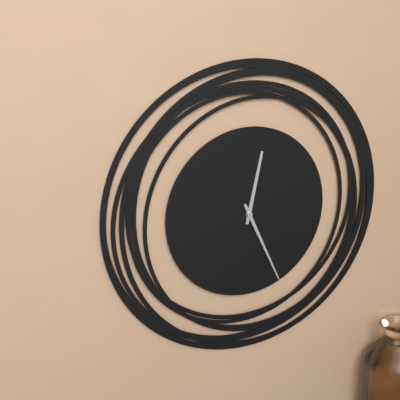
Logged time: 12 h 26 min
